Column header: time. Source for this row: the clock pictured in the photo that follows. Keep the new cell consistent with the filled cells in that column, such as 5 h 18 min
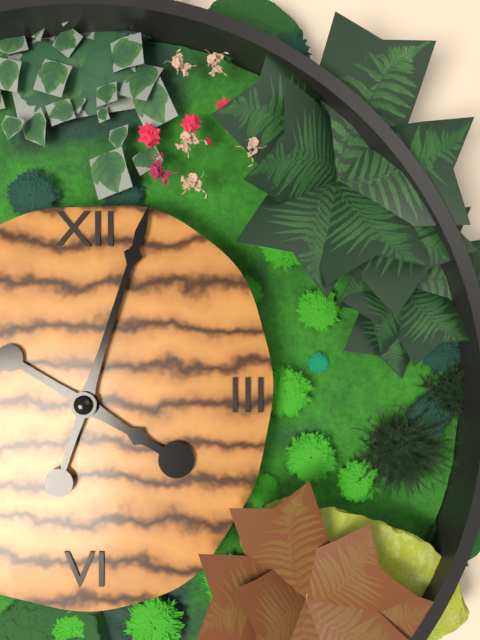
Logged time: 4 h 03 min
